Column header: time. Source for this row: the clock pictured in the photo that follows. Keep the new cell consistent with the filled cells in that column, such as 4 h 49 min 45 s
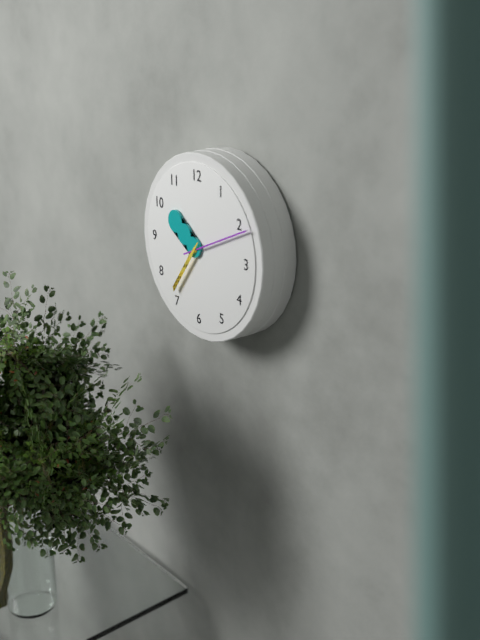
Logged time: 10 h 11 min 36 s
